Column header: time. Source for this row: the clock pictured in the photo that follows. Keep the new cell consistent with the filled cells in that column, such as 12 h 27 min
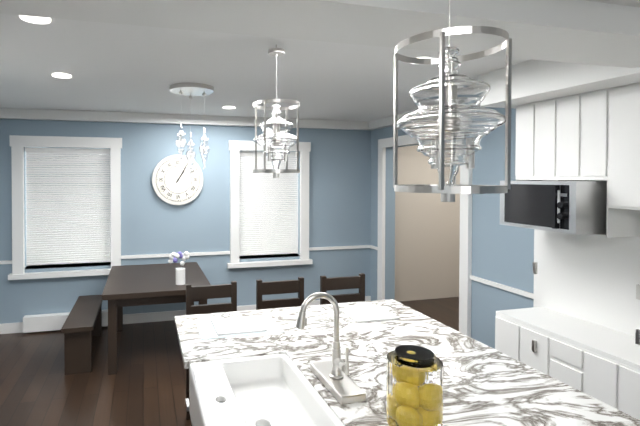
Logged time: 1 h 05 min
